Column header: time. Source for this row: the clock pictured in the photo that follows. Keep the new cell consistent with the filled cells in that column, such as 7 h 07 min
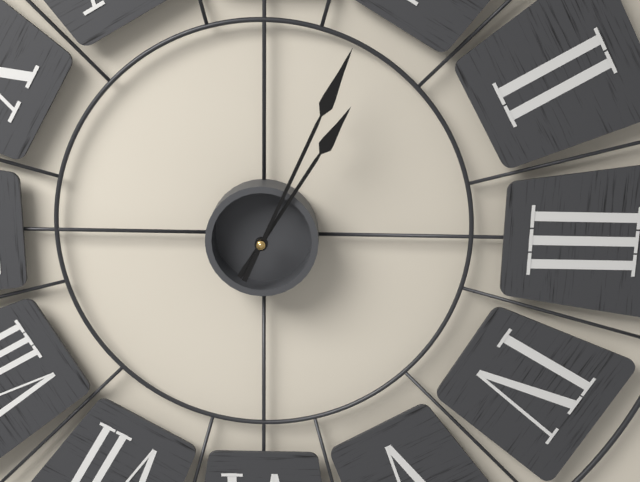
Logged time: 1 h 04 min
